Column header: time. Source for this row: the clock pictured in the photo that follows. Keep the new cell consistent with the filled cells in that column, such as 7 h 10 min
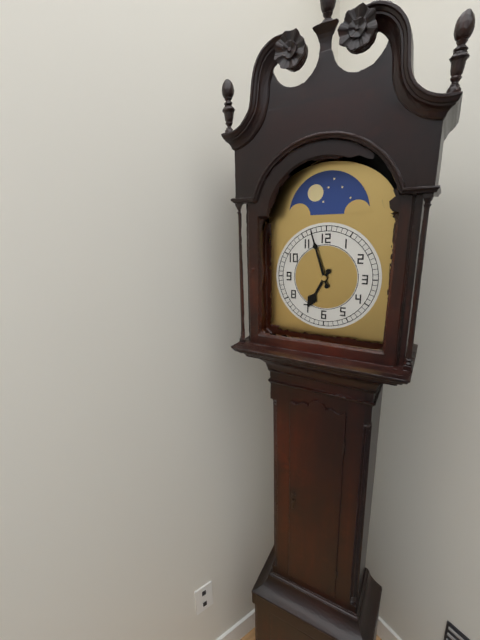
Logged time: 6 h 57 min
